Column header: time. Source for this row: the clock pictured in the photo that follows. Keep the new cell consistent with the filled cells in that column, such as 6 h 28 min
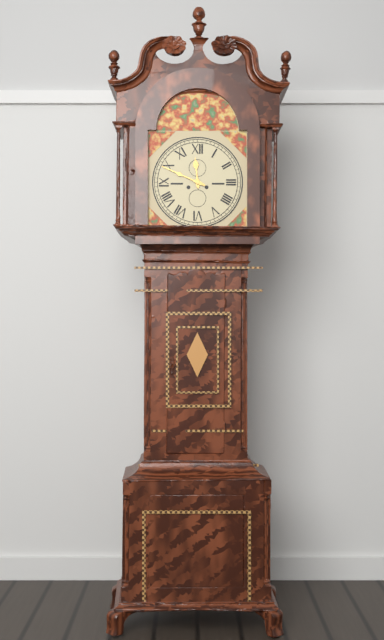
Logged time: 11 h 49 min
